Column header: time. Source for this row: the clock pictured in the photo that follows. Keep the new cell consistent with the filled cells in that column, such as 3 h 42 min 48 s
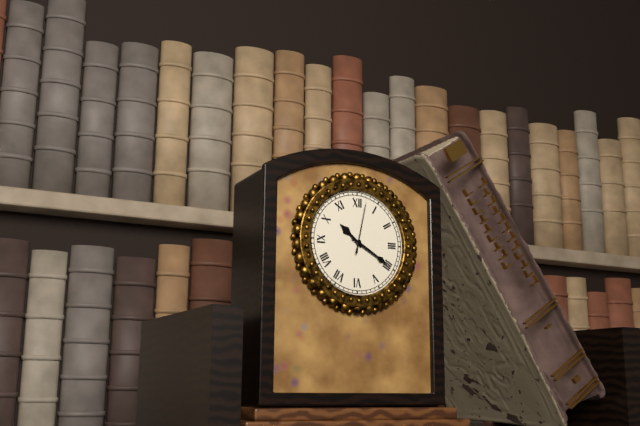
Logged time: 10 h 20 min 02 s
